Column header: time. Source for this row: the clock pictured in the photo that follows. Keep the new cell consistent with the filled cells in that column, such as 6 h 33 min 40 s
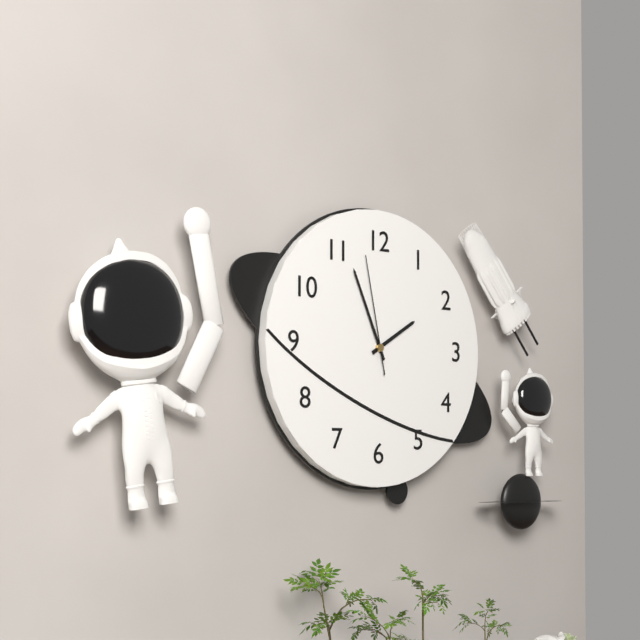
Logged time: 1 h 56 min 58 s
